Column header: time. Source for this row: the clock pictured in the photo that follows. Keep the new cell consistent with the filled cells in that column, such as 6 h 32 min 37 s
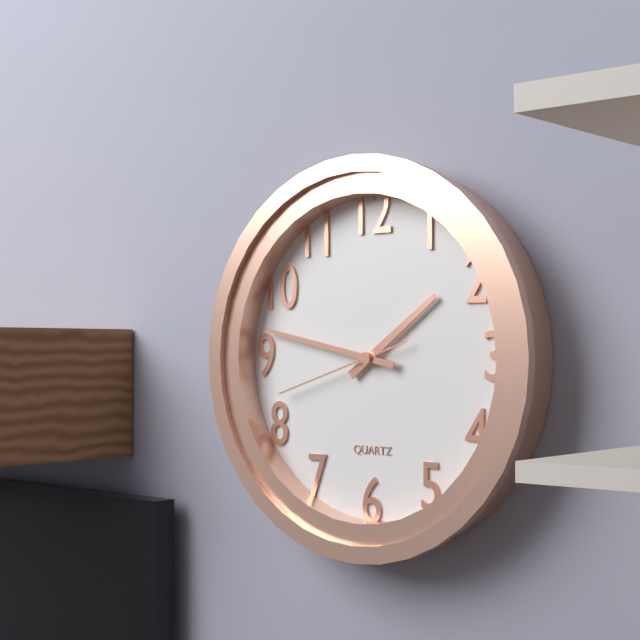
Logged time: 1 h 47 min 42 s
